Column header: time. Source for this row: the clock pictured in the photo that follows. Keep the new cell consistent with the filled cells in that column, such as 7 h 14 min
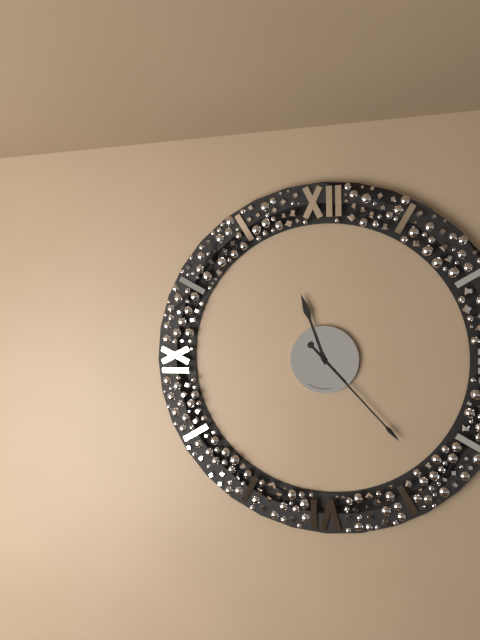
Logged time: 11 h 23 min
